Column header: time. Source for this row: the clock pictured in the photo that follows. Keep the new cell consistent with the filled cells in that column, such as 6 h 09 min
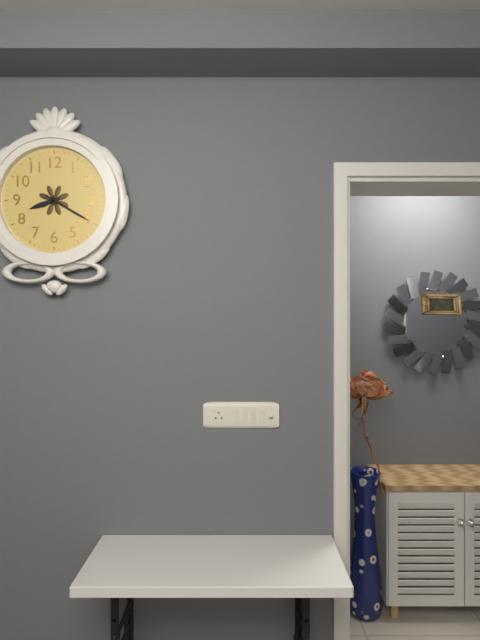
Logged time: 8 h 20 min
